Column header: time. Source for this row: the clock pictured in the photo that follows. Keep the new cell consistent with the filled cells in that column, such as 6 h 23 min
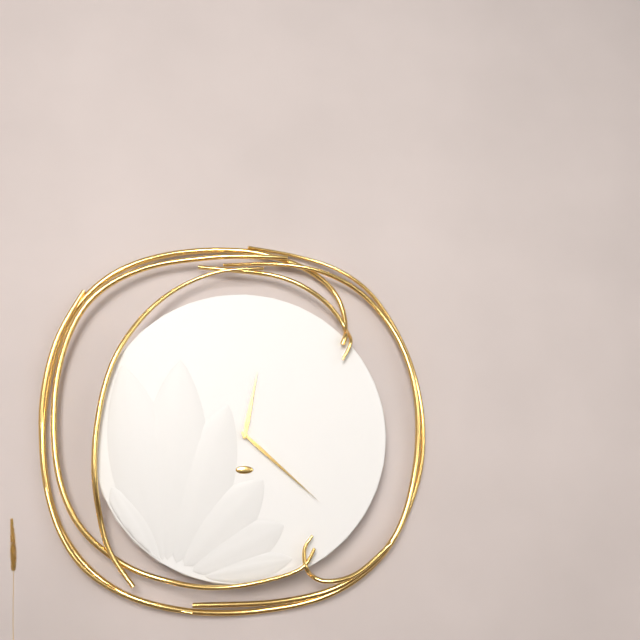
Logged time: 12 h 22 min
